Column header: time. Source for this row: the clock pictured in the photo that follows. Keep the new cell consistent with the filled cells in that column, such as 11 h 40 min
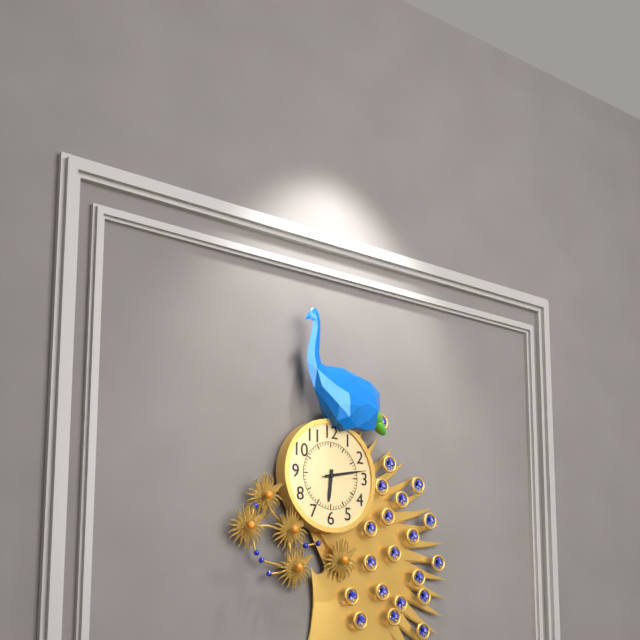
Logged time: 6 h 13 min
